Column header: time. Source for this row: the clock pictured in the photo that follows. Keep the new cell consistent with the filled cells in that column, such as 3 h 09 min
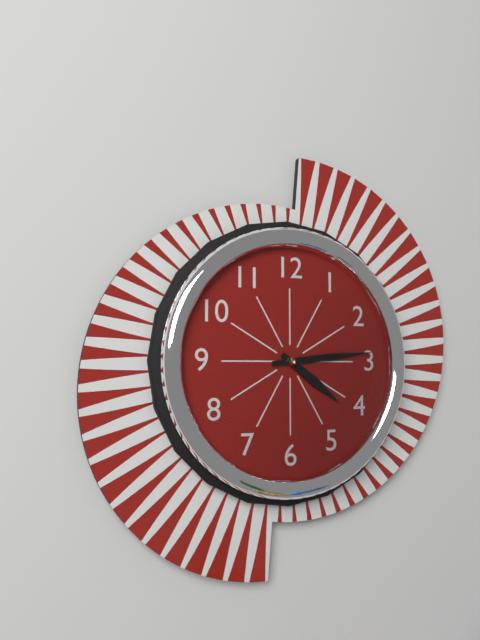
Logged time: 4 h 14 min
